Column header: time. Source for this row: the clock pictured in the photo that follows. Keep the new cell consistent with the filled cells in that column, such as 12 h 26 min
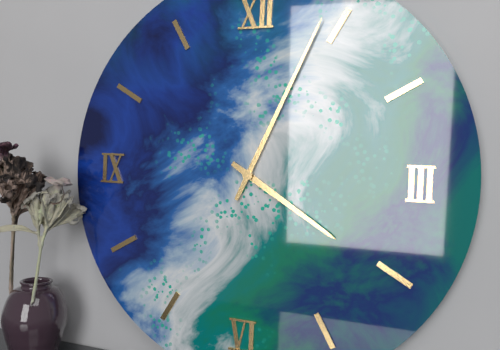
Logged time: 4 h 04 min
